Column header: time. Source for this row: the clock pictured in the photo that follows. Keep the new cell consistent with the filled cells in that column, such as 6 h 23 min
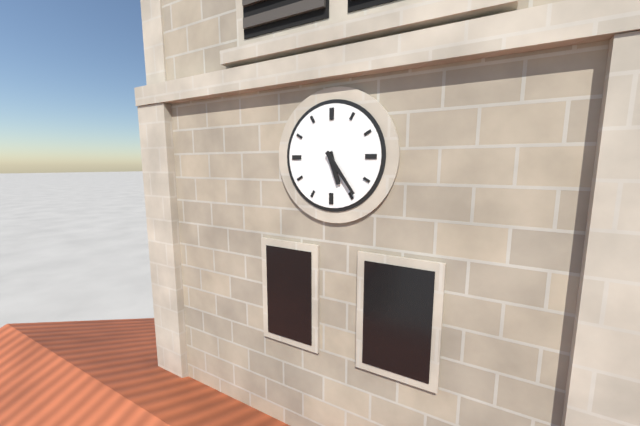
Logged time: 5 h 24 min
